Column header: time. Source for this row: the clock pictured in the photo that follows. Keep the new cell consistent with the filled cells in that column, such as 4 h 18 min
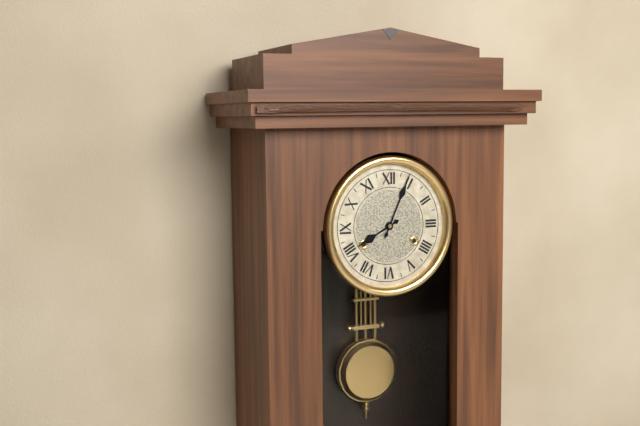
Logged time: 8 h 04 min
